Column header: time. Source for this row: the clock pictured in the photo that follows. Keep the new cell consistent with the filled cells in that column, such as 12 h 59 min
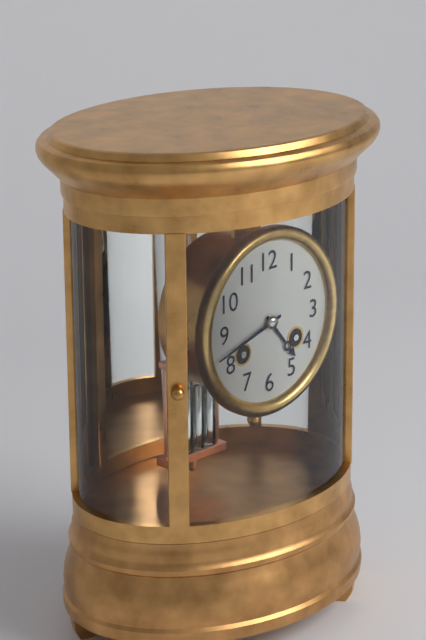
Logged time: 4 h 42 min
